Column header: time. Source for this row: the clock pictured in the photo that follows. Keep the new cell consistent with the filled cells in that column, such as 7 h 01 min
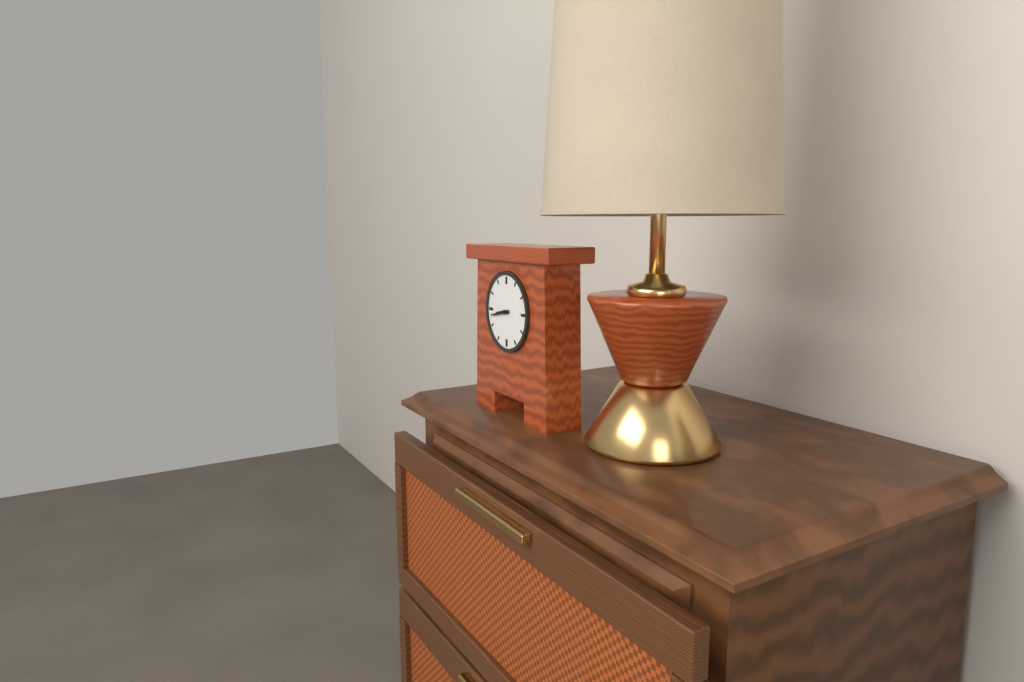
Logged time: 8 h 43 min
